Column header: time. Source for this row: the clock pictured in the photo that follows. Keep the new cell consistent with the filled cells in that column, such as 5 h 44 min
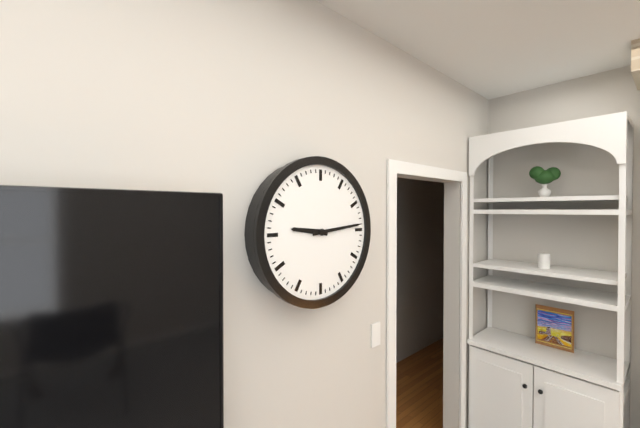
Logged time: 9 h 14 min
